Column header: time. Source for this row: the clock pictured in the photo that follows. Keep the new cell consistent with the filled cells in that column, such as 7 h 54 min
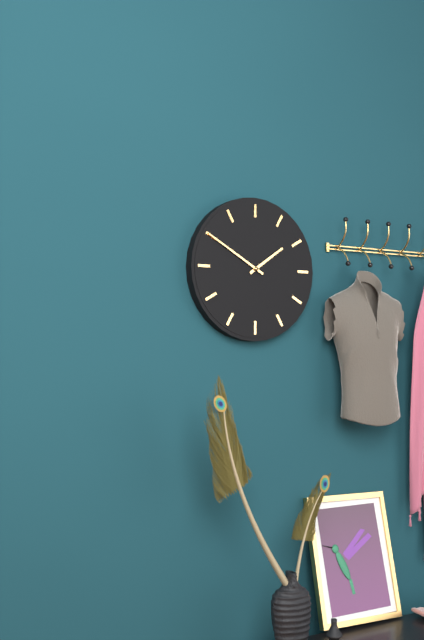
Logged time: 1 h 50 min
